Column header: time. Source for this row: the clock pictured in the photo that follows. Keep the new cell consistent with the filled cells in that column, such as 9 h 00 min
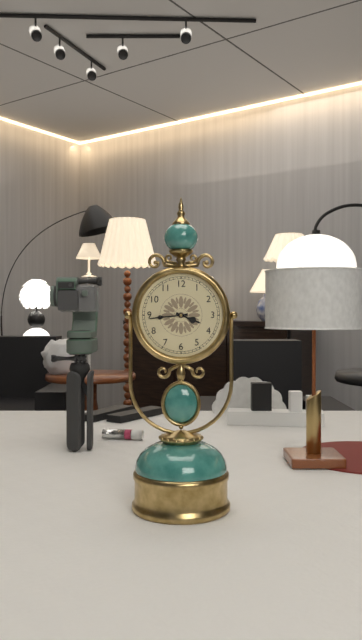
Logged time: 3 h 44 min
